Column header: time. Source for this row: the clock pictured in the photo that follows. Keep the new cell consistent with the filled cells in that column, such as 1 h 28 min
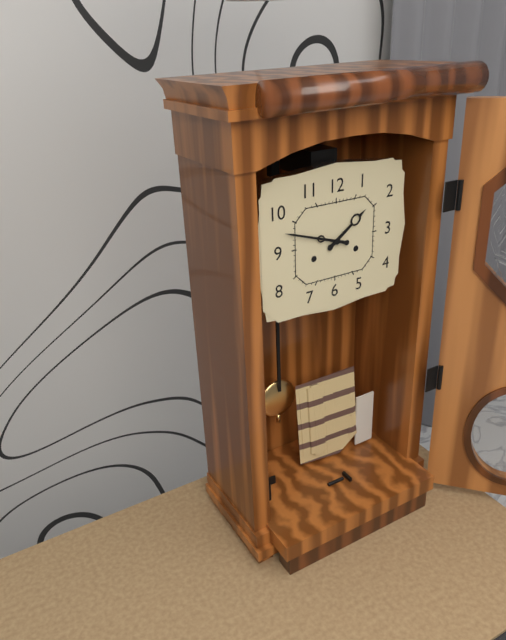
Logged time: 1 h 48 min
